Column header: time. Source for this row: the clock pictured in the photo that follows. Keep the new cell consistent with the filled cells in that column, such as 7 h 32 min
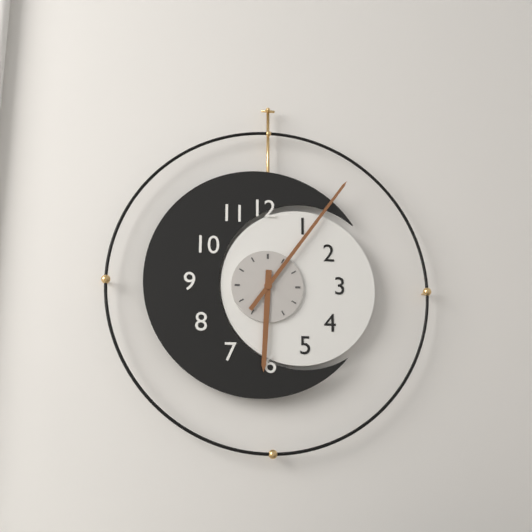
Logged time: 6 h 06 min
